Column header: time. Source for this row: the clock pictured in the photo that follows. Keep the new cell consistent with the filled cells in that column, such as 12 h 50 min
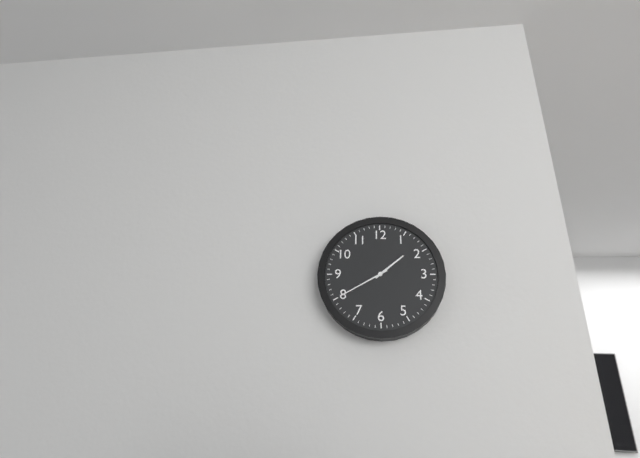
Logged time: 1 h 40 min
